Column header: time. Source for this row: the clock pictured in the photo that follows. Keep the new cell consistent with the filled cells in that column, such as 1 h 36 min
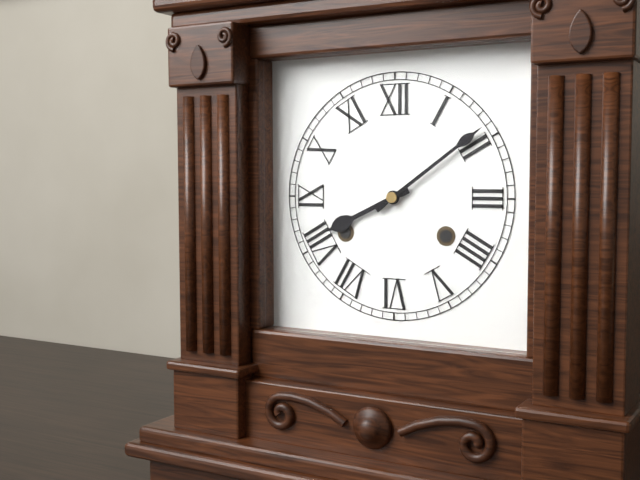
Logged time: 8 h 09 min
